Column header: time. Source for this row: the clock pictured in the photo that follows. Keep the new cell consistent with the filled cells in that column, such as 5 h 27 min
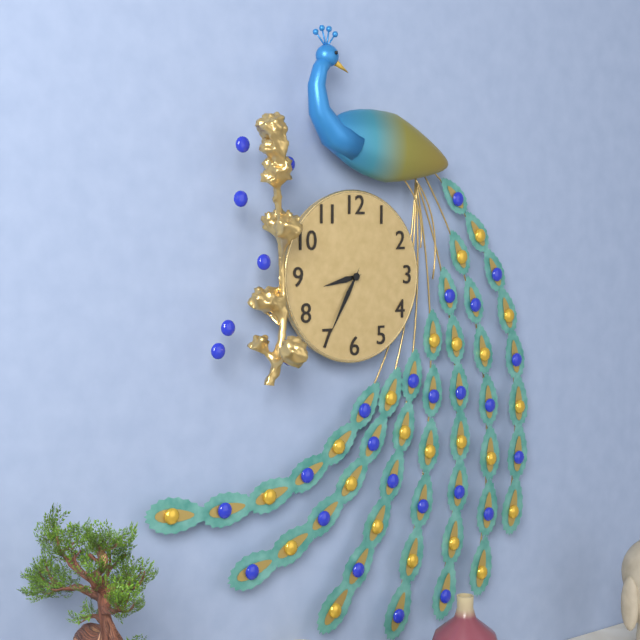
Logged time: 8 h 35 min
